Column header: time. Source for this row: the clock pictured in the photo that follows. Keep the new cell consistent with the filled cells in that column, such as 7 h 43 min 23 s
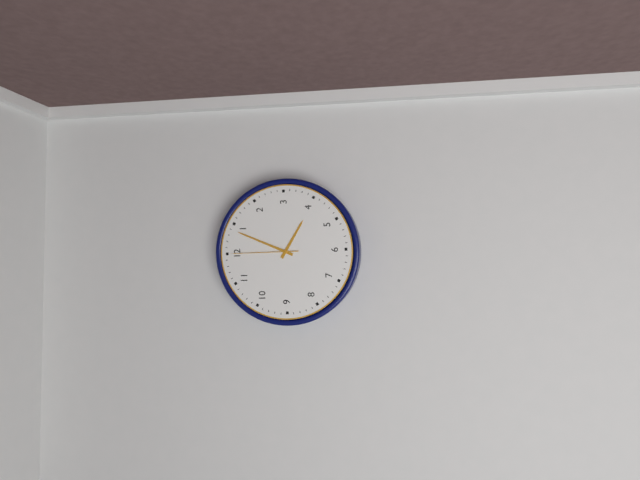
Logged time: 4 h 04 min 00 s
